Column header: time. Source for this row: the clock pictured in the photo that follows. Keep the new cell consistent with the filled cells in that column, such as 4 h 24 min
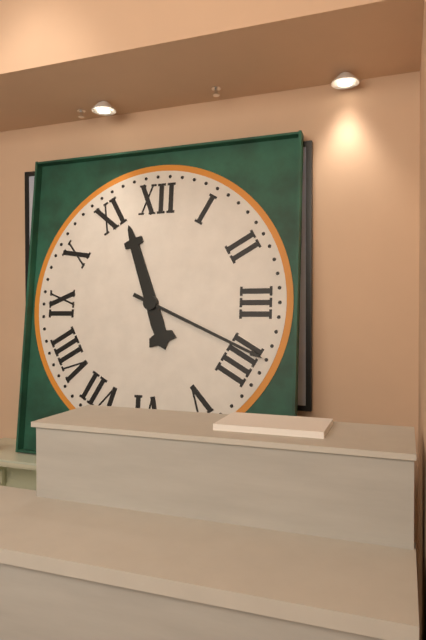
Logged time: 11 h 19 min
